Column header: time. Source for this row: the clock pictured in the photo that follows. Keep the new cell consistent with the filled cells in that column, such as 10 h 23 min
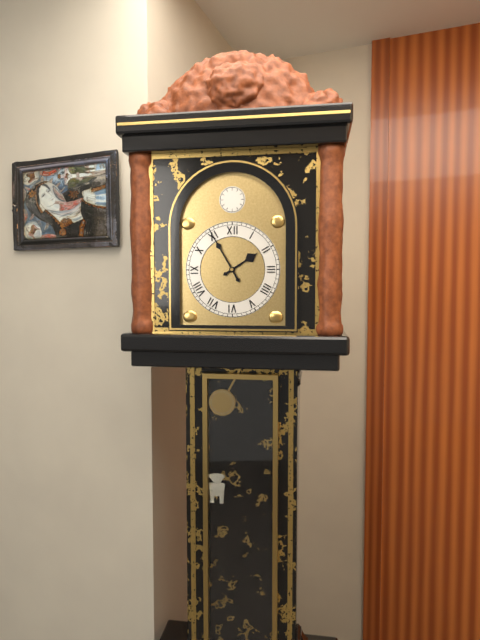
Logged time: 1 h 55 min
